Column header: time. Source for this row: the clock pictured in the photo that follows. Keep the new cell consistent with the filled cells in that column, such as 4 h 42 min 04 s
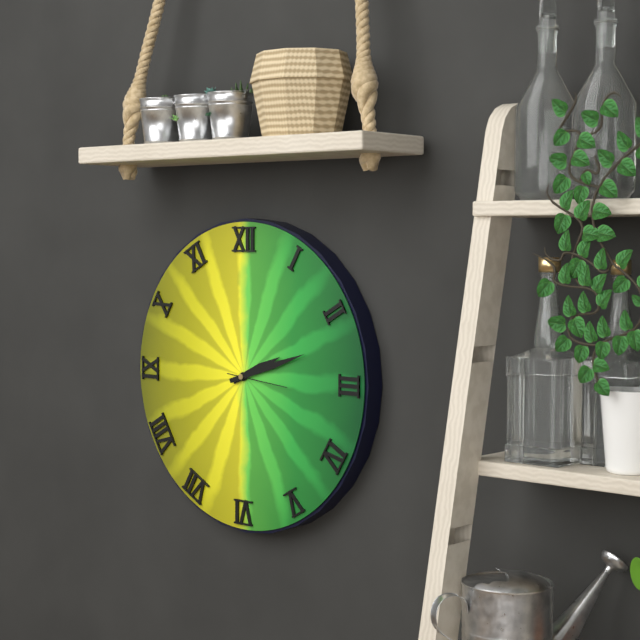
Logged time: 2 h 12 min 16 s
